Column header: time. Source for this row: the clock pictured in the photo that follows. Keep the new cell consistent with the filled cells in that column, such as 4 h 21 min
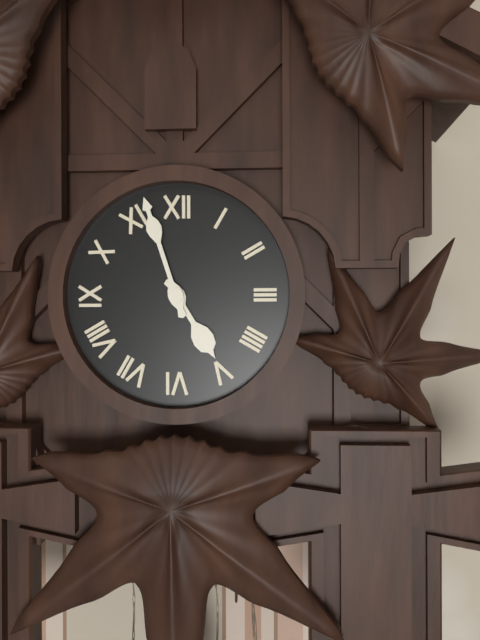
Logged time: 4 h 57 min
